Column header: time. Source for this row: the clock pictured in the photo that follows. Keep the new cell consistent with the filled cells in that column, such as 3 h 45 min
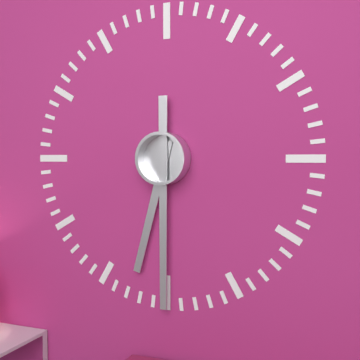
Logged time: 6 h 30 min
